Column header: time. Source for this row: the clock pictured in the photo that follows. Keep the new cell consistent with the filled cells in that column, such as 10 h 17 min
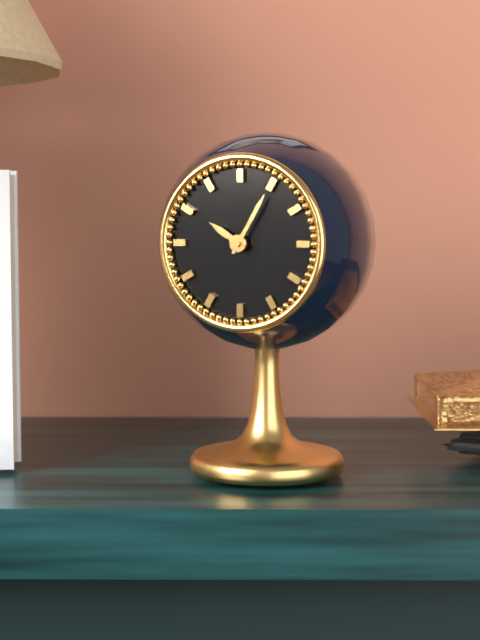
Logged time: 10 h 05 min
